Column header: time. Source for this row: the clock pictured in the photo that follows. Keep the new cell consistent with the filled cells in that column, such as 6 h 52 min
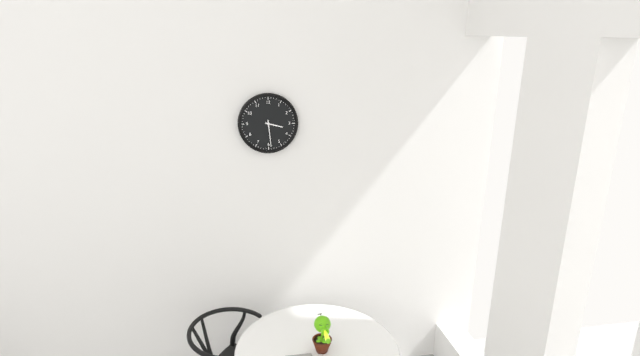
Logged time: 3 h 29 min
